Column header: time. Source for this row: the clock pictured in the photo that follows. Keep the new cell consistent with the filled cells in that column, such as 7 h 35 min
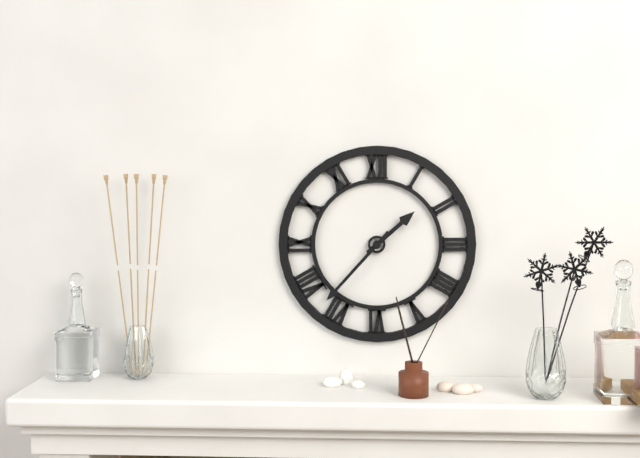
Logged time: 1 h 37 min
